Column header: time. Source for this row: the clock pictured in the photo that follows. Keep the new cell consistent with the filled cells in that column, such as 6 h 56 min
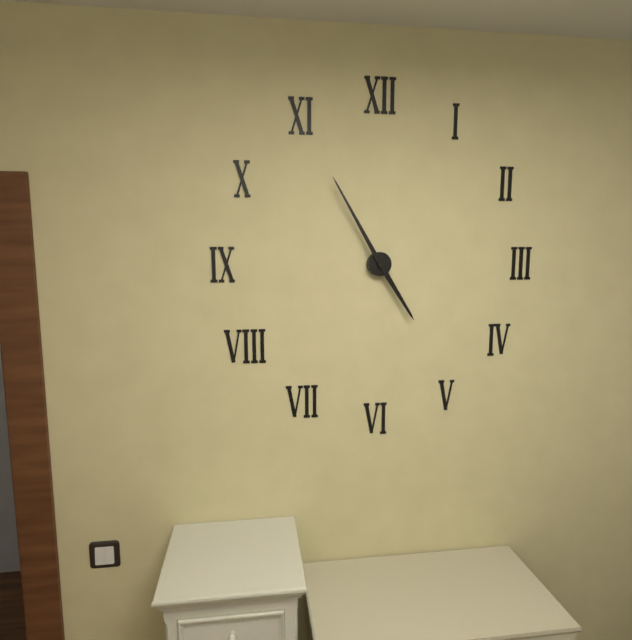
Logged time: 4 h 55 min
